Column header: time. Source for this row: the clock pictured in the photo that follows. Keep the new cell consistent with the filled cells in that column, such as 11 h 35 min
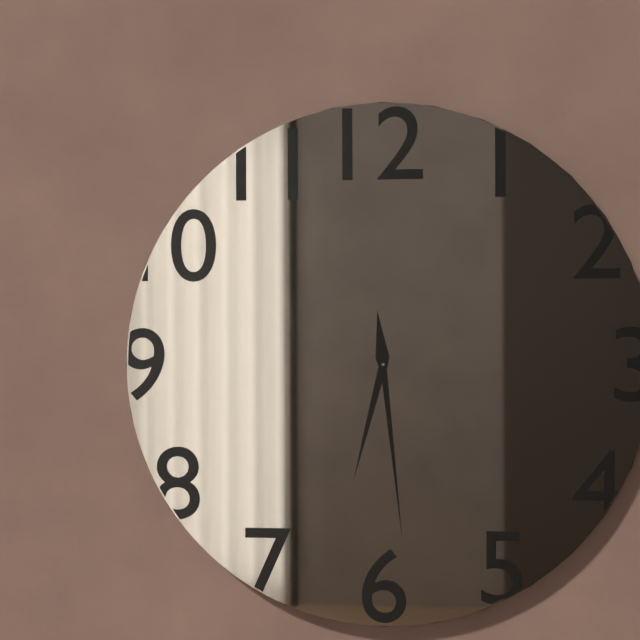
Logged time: 6 h 29 min
